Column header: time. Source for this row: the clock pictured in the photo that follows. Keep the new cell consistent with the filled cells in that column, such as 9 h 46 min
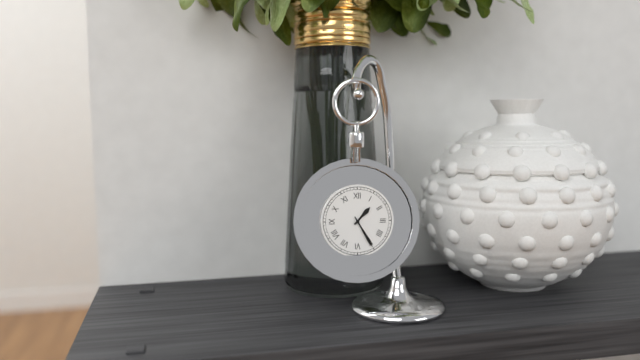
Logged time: 1 h 25 min
